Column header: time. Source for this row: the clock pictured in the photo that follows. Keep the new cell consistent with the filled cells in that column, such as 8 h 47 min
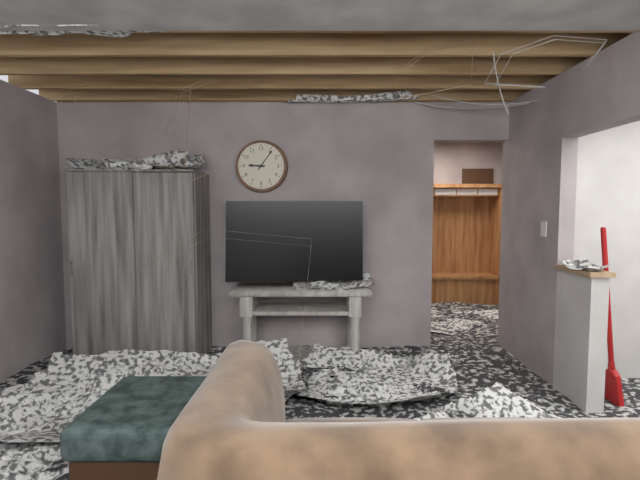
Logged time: 9 h 06 min
